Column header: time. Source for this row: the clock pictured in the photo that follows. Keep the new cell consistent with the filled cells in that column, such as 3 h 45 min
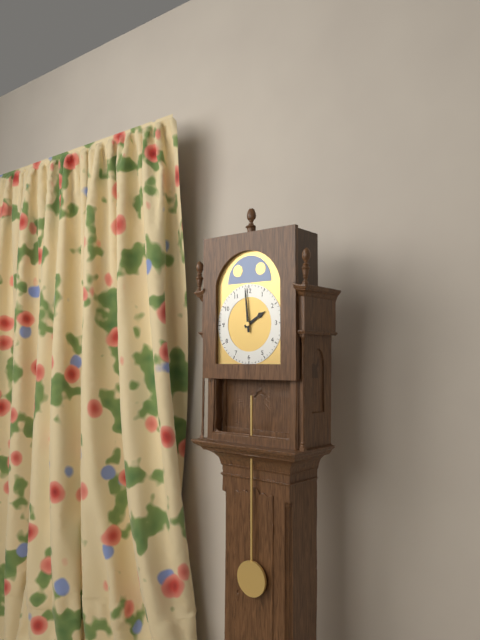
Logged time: 1 h 59 min
